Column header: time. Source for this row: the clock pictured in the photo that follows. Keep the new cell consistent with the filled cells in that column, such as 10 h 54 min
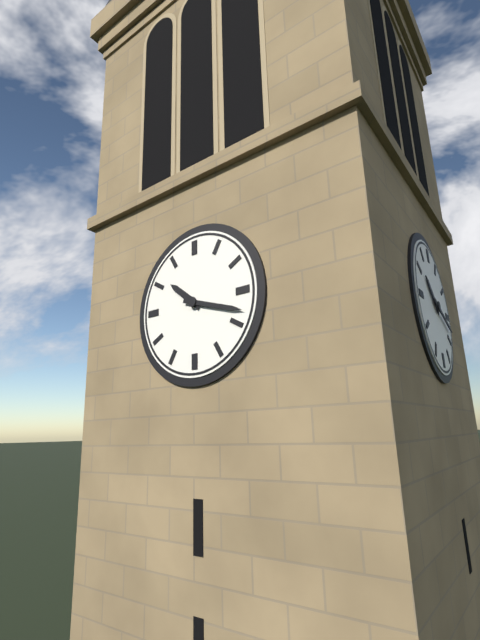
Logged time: 10 h 18 min
